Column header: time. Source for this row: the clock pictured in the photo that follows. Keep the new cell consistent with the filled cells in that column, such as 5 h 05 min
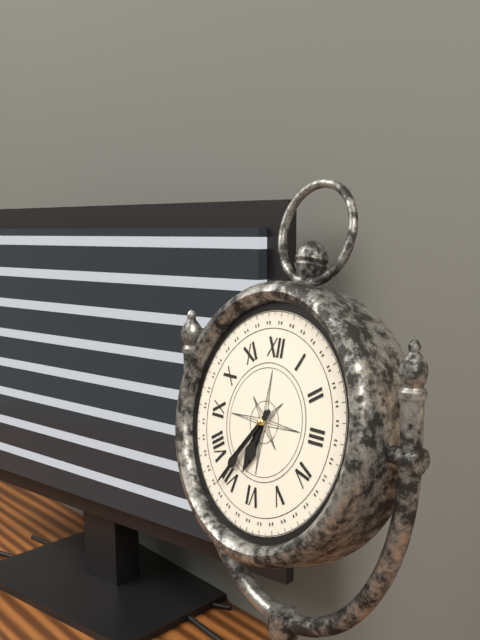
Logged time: 6 h 36 min
